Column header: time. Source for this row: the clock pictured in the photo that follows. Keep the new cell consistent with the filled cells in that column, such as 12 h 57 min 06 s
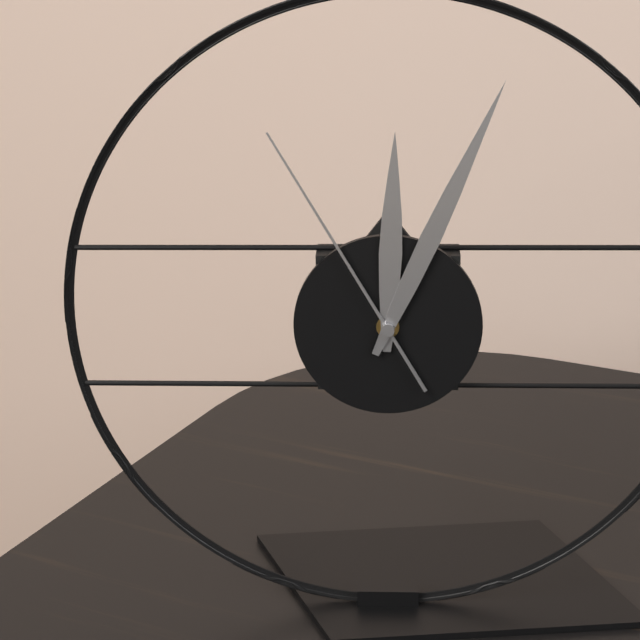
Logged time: 12 h 04 min 55 s
